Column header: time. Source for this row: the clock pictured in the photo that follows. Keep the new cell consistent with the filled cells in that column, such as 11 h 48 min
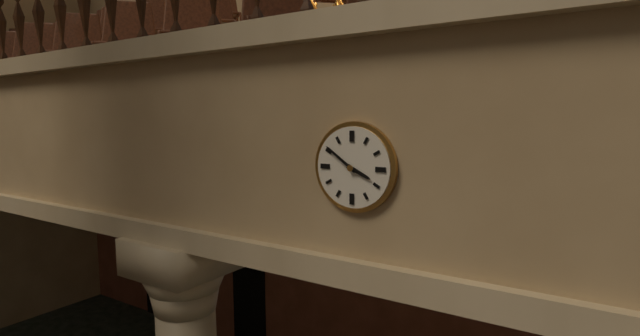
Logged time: 3 h 51 min
